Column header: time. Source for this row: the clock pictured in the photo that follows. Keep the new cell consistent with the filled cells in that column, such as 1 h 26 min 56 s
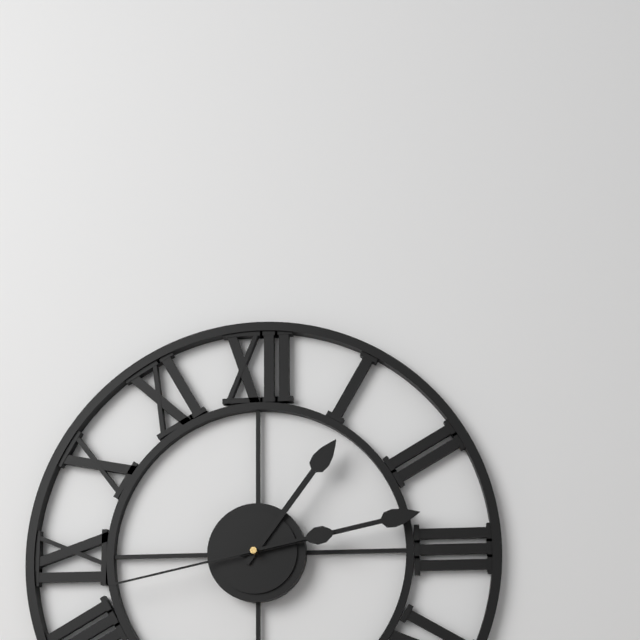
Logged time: 1 h 13 min 43 s
